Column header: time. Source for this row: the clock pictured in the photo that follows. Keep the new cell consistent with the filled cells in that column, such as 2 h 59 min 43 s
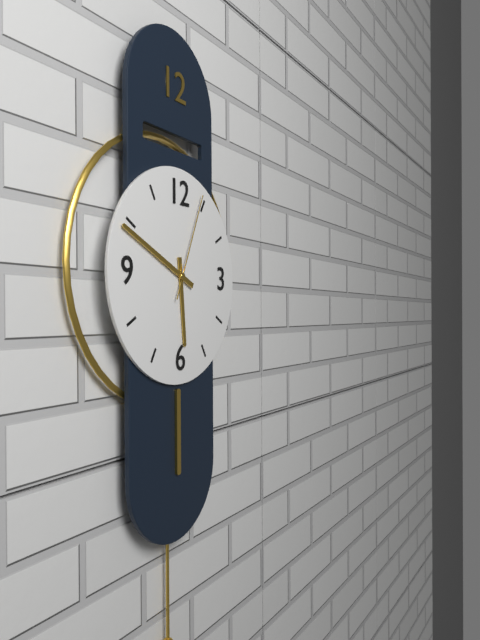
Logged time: 5 h 49 min 04 s
